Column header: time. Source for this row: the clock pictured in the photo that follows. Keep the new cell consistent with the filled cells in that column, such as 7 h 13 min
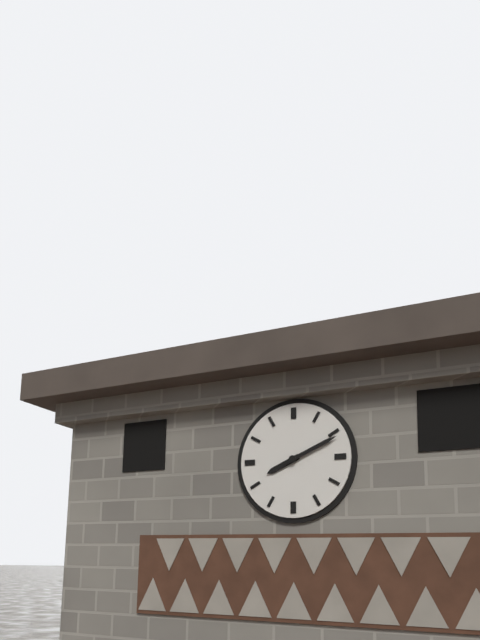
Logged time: 8 h 11 min
